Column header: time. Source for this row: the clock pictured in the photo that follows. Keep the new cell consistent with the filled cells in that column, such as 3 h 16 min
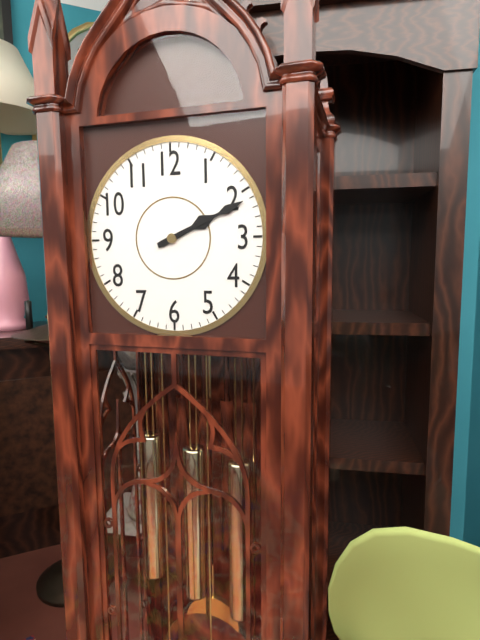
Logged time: 2 h 11 min
